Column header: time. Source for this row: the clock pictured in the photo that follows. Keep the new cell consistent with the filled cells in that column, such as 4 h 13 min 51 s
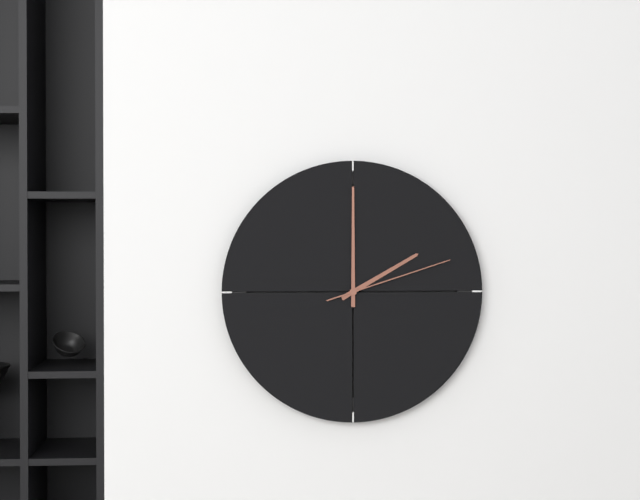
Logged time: 2 h 00 min 12 s
